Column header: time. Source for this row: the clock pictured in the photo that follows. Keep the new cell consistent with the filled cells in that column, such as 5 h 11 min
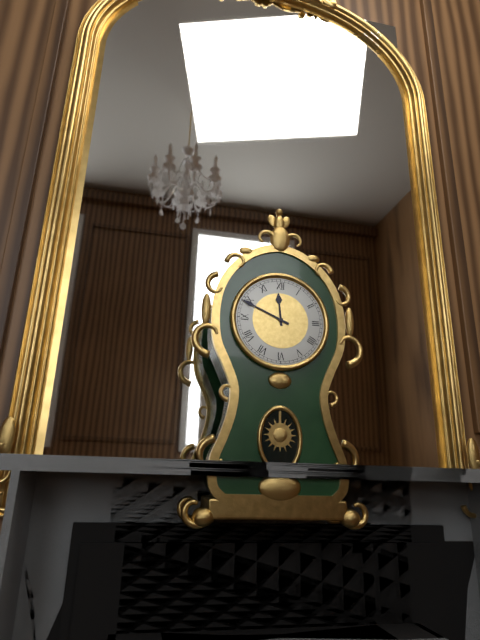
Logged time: 11 h 49 min
